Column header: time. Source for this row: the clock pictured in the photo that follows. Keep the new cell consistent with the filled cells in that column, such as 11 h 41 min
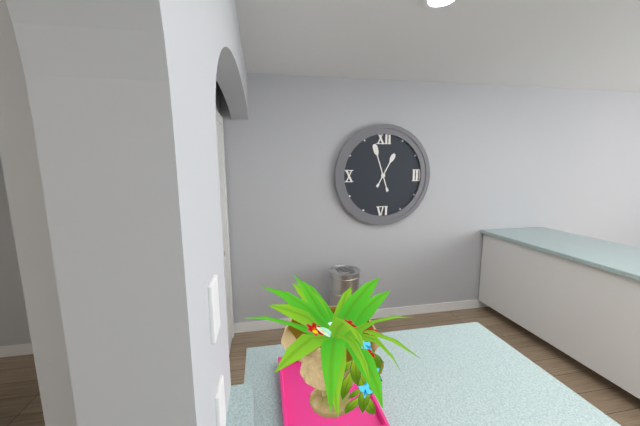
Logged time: 12 h 57 min
